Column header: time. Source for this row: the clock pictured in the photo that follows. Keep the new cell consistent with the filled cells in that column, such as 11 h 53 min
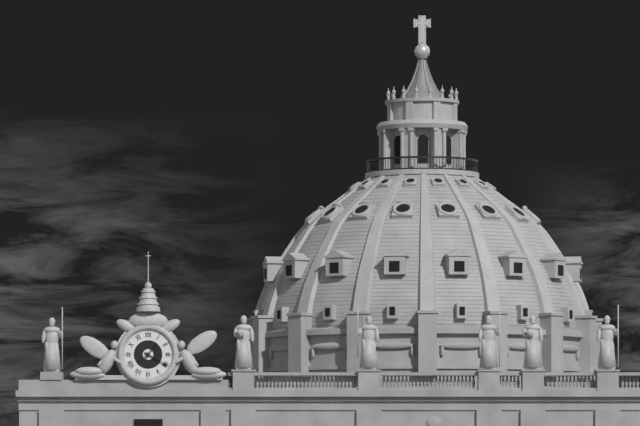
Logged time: 1 h 20 min
